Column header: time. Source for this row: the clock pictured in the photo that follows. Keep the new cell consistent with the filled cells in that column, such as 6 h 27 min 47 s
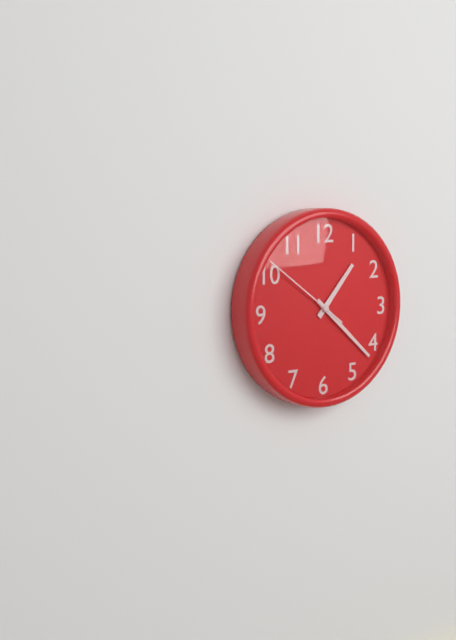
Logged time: 1 h 22 min 51 s
